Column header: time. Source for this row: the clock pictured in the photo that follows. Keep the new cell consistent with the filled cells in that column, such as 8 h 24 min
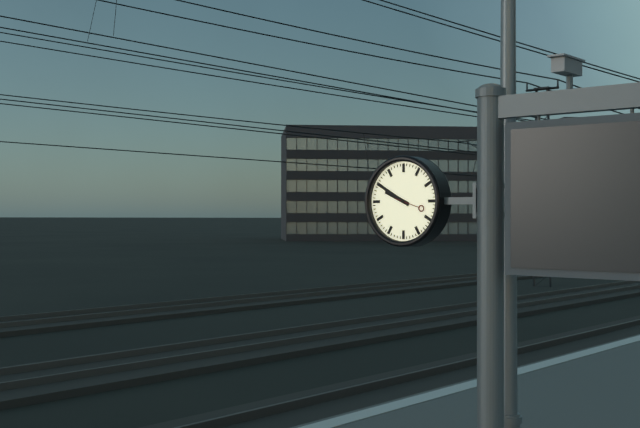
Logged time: 9 h 50 min
